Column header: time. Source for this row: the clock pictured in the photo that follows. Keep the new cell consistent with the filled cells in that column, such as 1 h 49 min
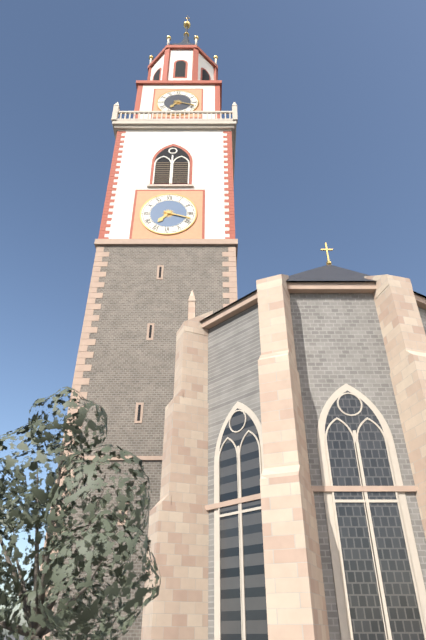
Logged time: 7 h 18 min
